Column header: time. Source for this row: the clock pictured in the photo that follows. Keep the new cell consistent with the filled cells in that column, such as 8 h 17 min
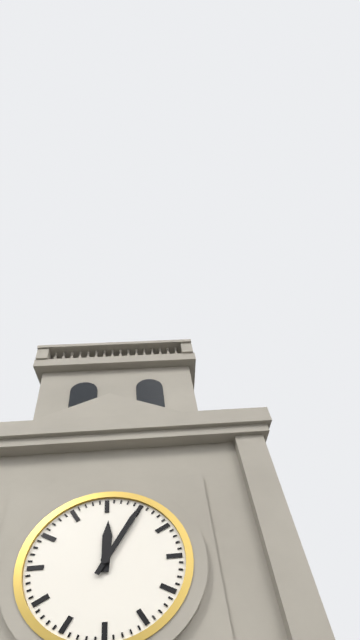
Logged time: 12 h 05 min
